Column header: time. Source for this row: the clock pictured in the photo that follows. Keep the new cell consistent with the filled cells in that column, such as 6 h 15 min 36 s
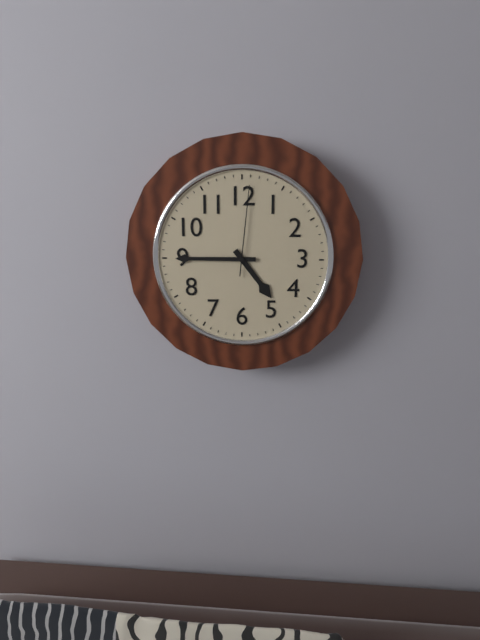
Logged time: 4 h 45 min 01 s
